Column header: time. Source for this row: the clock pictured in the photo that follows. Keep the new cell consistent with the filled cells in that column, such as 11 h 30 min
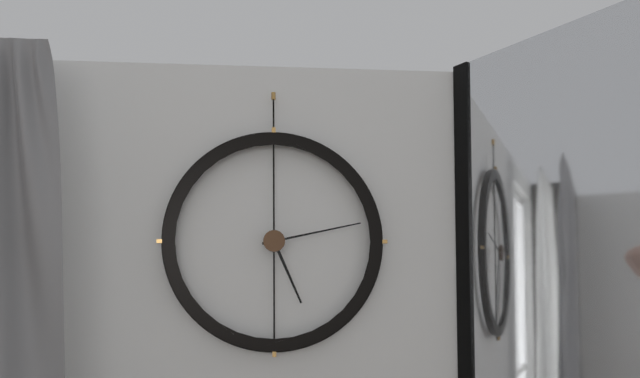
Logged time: 5 h 13 min
